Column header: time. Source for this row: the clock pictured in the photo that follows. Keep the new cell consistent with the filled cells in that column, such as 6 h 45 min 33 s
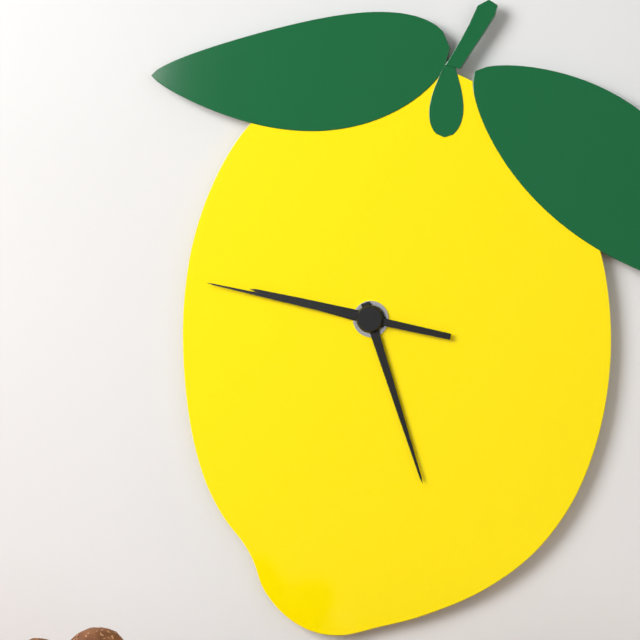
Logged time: 9 h 27 min 47 s
